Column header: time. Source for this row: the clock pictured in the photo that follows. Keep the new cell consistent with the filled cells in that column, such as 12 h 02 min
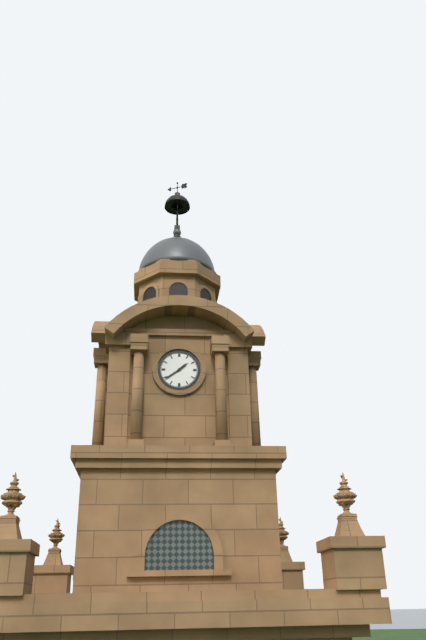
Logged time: 1 h 39 min
